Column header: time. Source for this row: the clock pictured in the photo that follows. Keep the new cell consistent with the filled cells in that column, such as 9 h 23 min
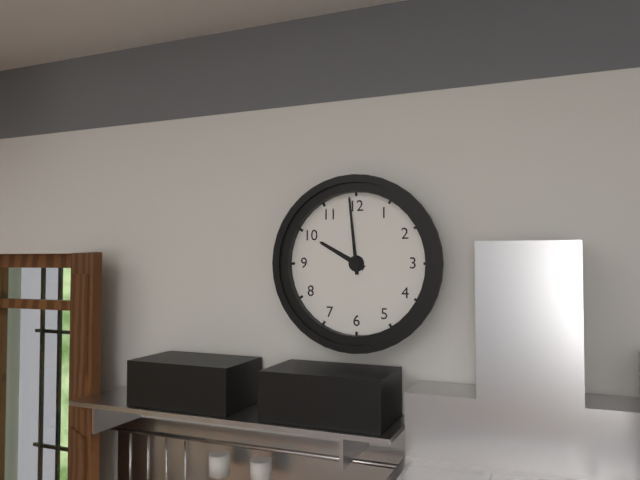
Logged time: 9 h 59 min
